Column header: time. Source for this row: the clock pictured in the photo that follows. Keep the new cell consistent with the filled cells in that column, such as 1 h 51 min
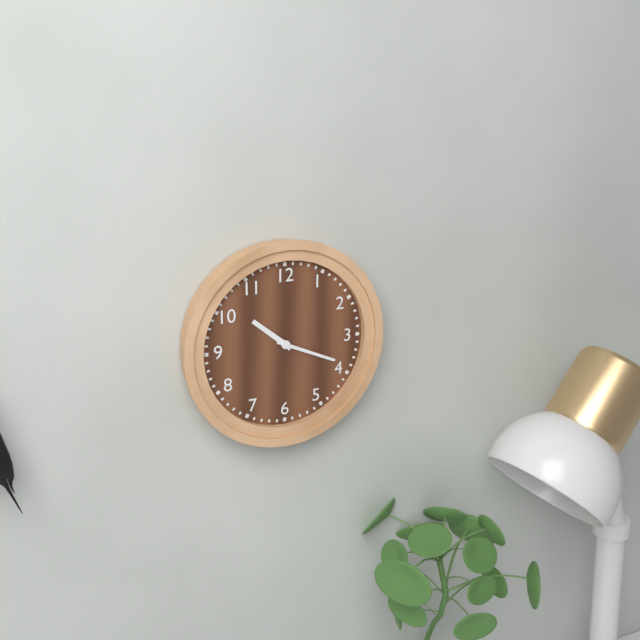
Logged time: 10 h 19 min
